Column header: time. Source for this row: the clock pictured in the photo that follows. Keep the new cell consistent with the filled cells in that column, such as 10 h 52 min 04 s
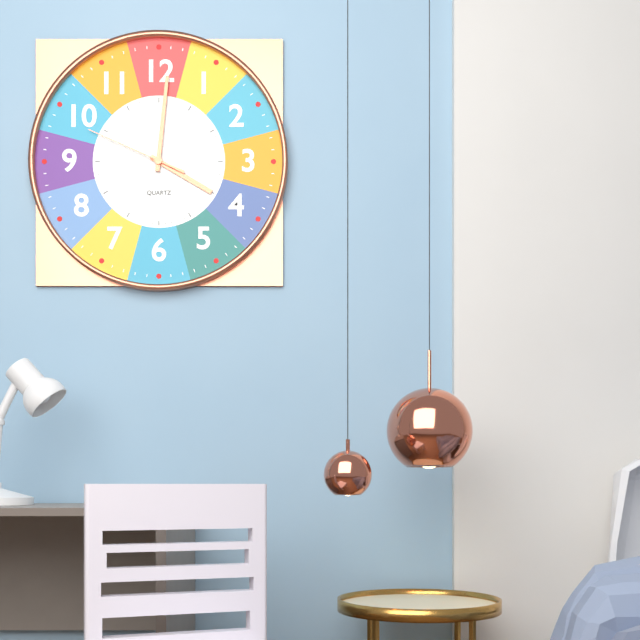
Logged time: 4 h 01 min 49 s
